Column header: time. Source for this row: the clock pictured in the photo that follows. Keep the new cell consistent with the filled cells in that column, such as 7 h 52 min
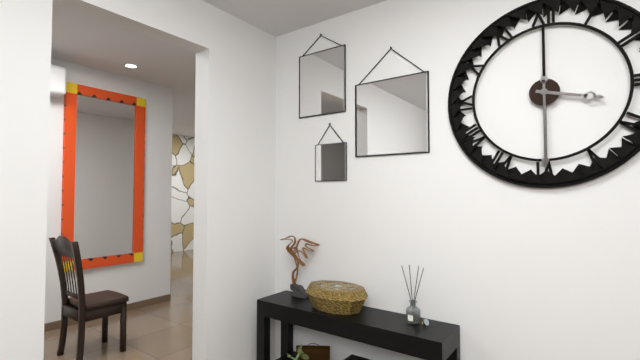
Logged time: 3 h 30 min
